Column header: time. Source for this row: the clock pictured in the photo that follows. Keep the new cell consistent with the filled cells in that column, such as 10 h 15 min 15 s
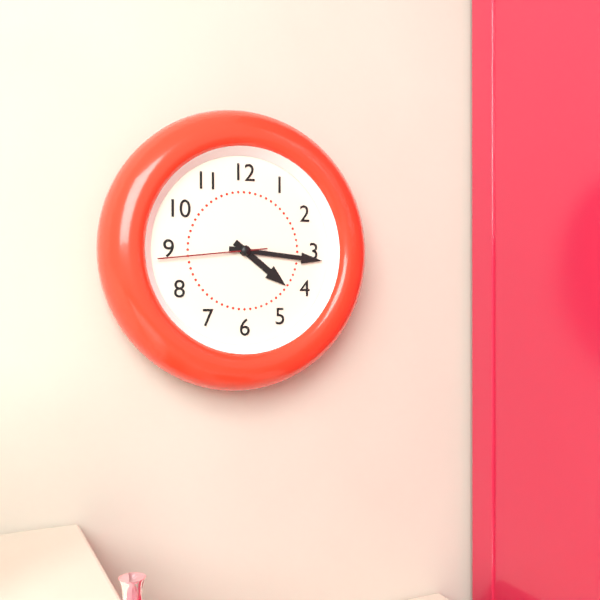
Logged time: 4 h 16 min 44 s
